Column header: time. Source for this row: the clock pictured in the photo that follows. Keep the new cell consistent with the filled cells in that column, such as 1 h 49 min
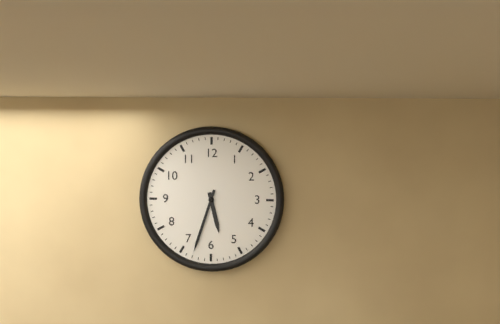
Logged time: 5 h 33 min
